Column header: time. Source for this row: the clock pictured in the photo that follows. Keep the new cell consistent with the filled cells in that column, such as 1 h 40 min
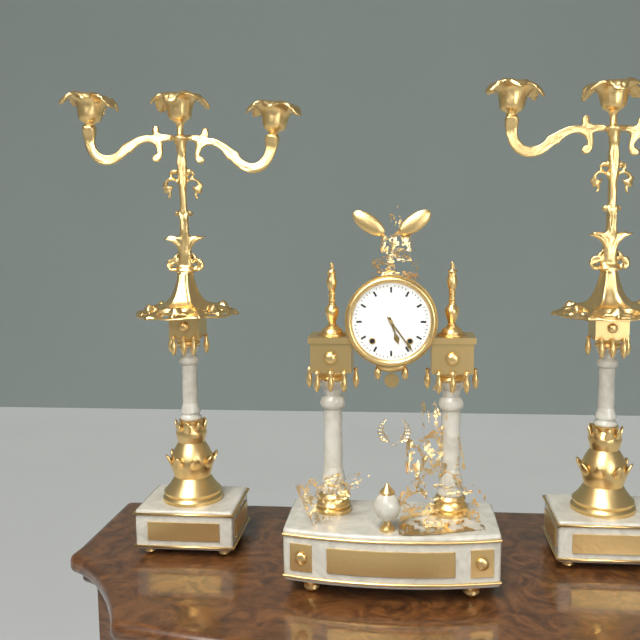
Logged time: 5 h 24 min
